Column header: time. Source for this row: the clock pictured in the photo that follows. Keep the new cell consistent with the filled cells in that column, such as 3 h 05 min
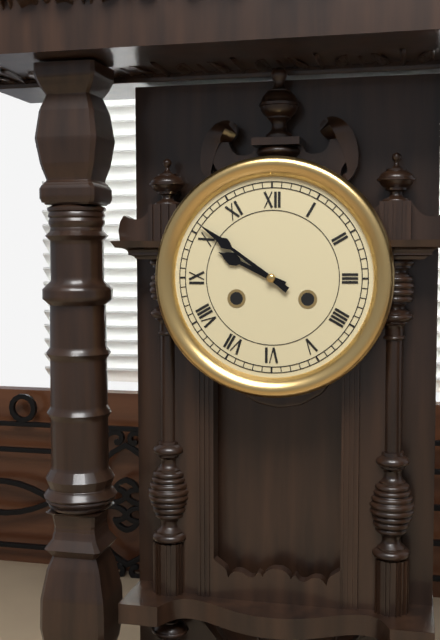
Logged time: 9 h 51 min
